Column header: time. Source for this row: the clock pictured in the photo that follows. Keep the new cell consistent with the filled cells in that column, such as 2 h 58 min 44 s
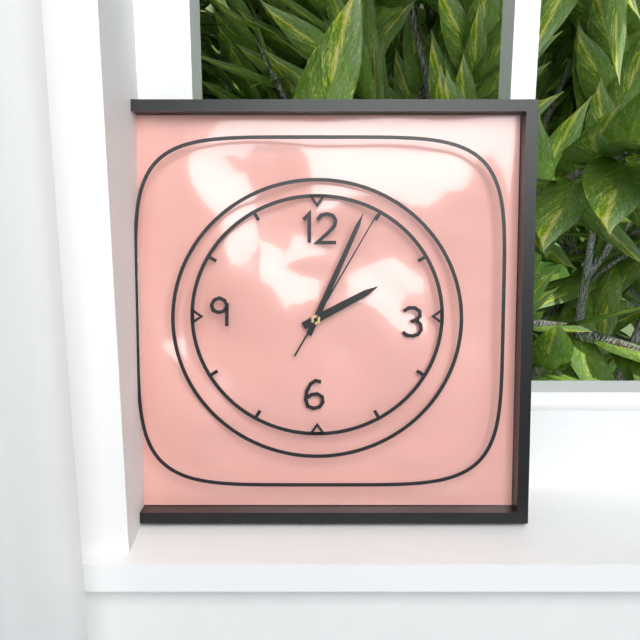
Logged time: 2 h 04 min 05 s
